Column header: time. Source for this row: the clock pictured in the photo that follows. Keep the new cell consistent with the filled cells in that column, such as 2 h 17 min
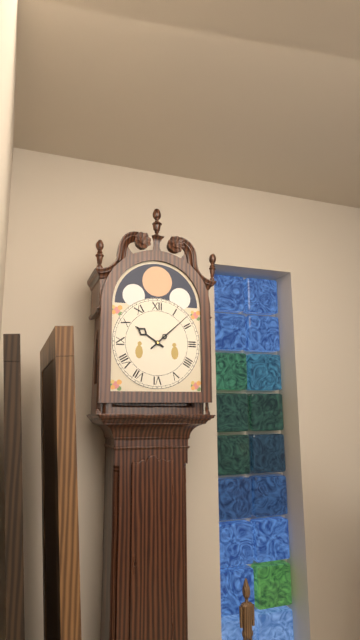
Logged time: 10 h 08 min
